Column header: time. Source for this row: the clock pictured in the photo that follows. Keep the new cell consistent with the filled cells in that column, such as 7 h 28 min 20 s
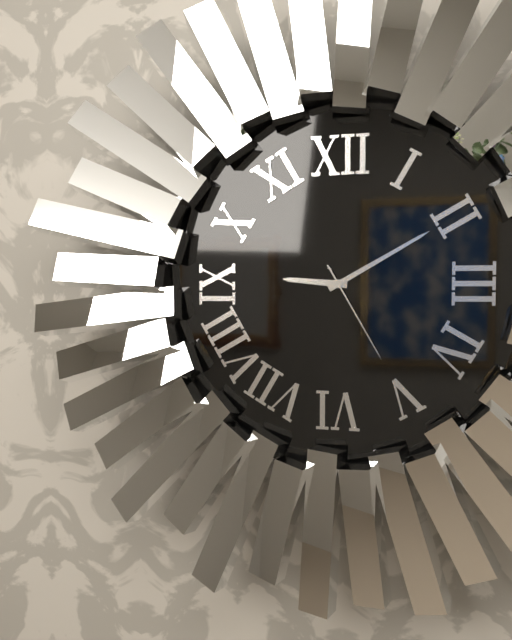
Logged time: 9 h 10 min 25 s
